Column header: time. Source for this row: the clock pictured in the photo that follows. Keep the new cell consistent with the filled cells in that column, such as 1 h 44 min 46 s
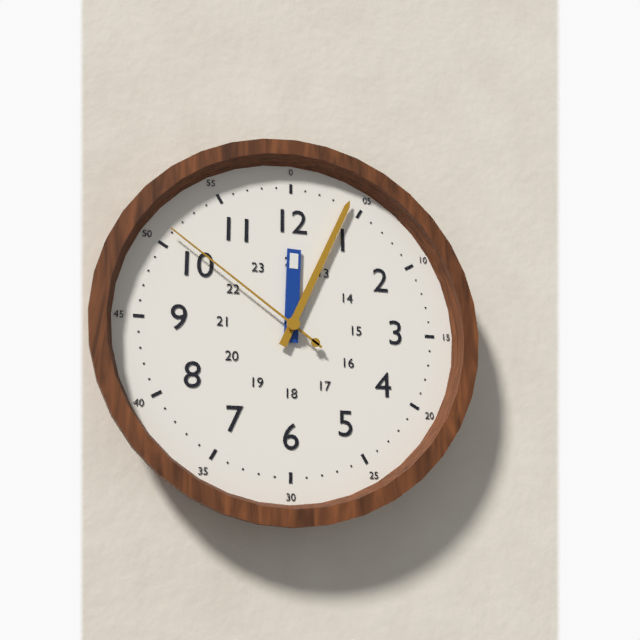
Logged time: 12 h 04 min 51 s
